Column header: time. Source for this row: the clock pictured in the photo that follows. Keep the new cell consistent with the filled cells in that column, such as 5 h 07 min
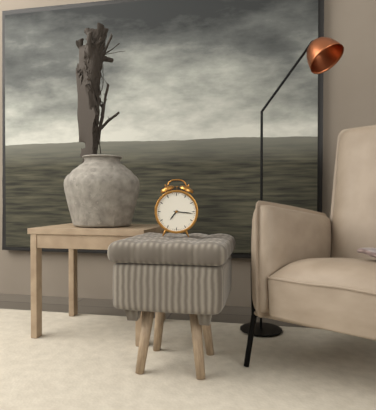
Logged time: 7 h 16 min
